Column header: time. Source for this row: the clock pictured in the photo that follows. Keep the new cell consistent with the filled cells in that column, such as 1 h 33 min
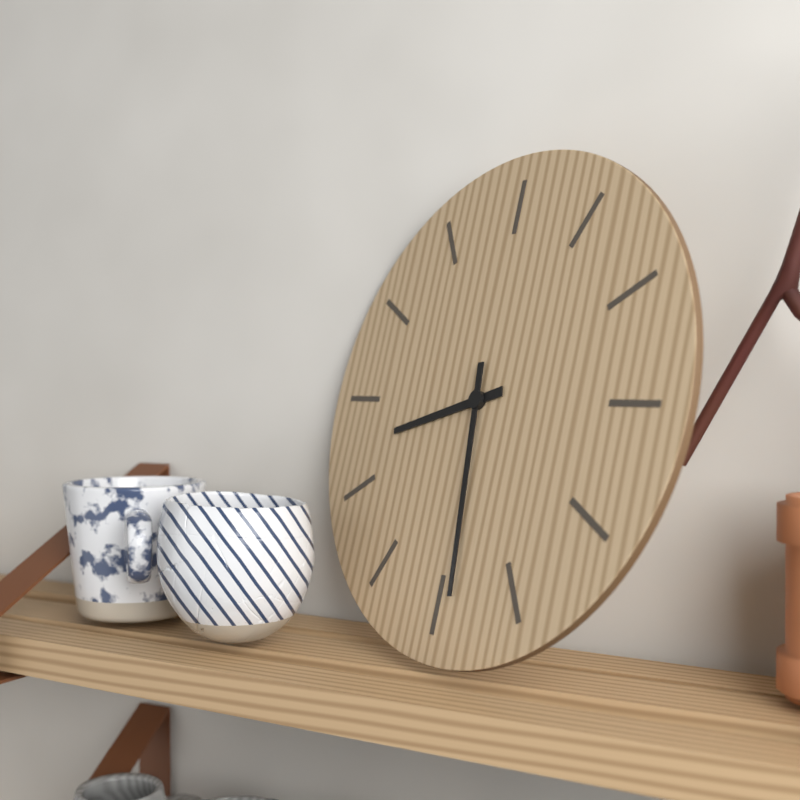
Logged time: 8 h 29 min
